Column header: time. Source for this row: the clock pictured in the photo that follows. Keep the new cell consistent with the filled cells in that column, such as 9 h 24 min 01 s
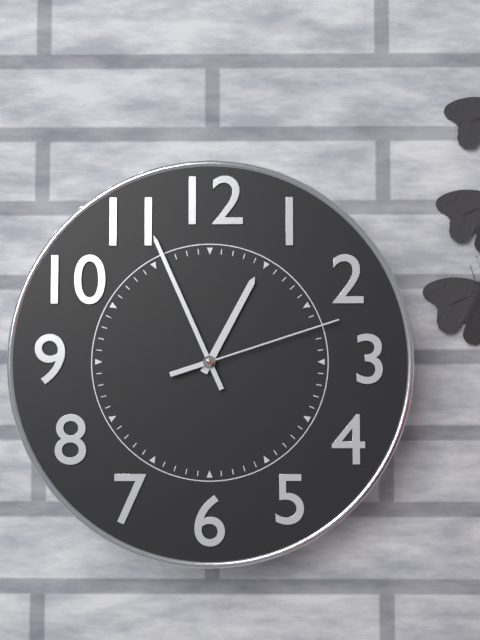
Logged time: 12 h 56 min 12 s
